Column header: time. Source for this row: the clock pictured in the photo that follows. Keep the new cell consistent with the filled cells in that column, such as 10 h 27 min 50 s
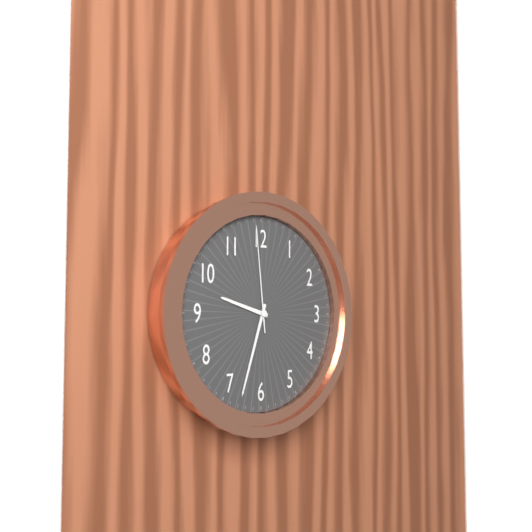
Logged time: 9 h 33 min 59 s
